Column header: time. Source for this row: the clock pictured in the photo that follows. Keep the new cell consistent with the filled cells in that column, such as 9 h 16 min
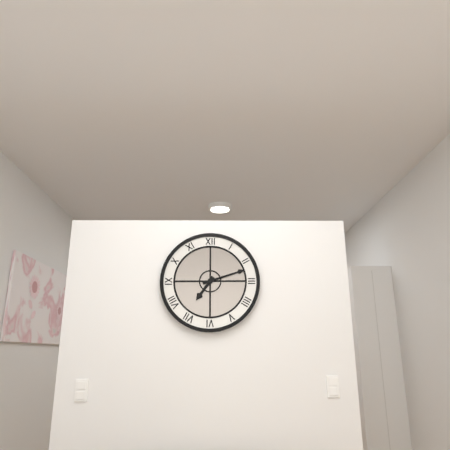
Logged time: 7 h 12 min
